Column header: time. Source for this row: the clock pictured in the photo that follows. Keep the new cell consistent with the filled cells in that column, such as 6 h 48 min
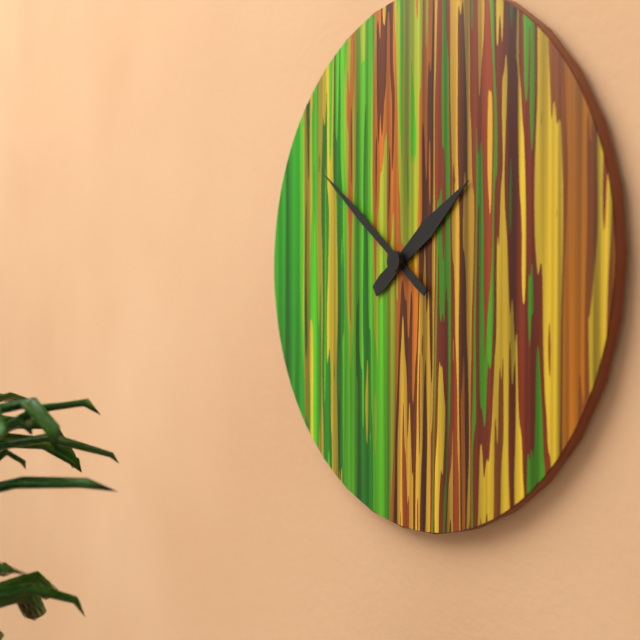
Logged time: 1 h 51 min
